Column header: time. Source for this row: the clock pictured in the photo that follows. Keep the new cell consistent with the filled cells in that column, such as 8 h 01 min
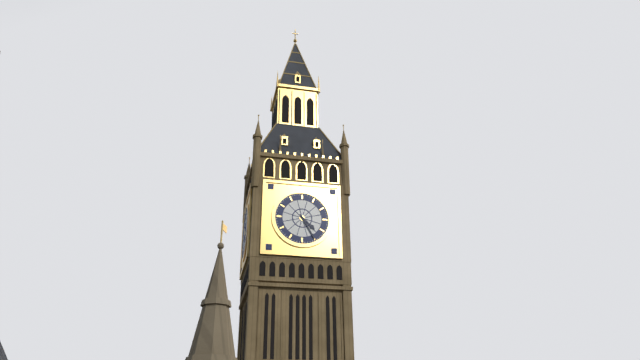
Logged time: 4 h 25 min
